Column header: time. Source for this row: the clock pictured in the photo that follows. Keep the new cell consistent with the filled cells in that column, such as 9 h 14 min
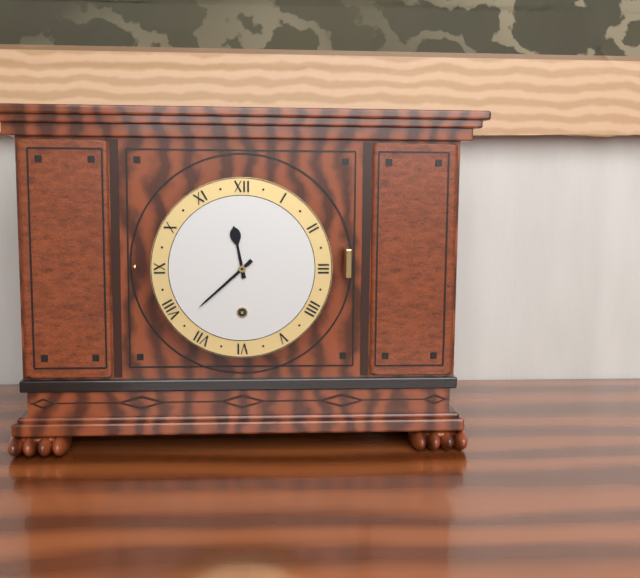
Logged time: 11 h 38 min
